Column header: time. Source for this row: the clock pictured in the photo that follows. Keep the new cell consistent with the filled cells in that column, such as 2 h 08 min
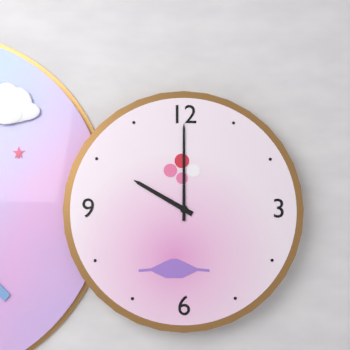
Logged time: 10 h 00 min
